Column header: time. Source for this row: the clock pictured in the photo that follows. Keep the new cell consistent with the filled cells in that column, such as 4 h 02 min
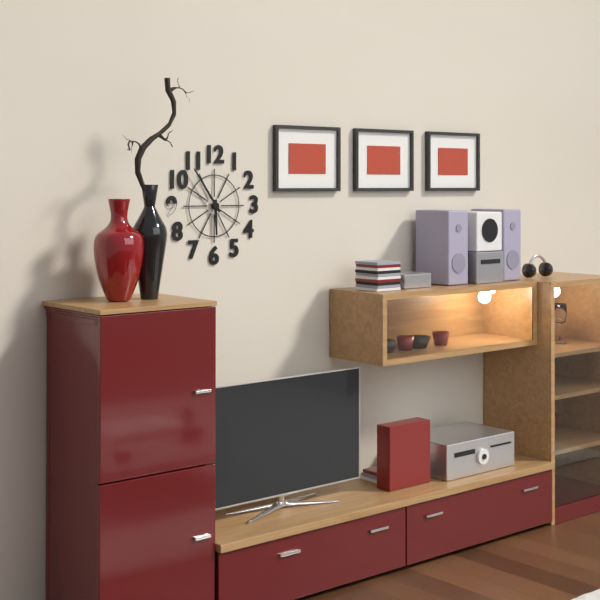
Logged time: 5 h 54 min
